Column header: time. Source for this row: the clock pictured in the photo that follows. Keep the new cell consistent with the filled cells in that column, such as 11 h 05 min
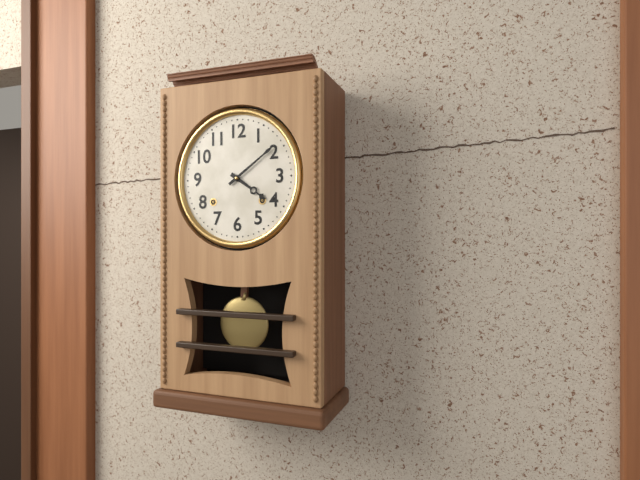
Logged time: 4 h 09 min
